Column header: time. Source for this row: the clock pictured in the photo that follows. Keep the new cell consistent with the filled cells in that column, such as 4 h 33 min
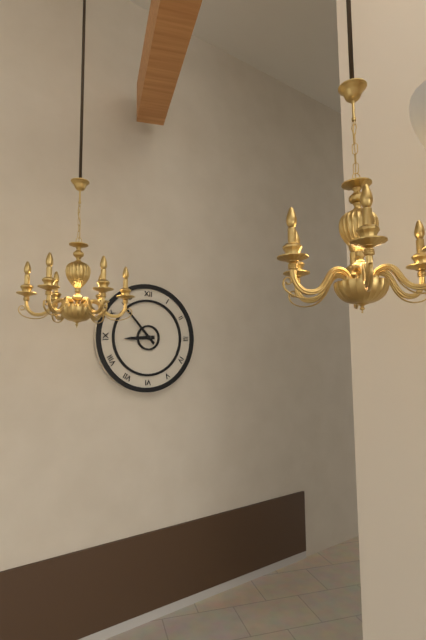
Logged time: 8 h 53 min
